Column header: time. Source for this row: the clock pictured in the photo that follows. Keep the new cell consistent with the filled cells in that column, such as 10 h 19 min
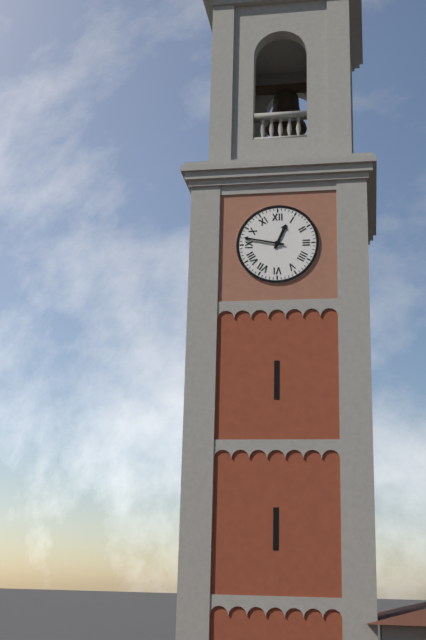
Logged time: 12 h 47 min
